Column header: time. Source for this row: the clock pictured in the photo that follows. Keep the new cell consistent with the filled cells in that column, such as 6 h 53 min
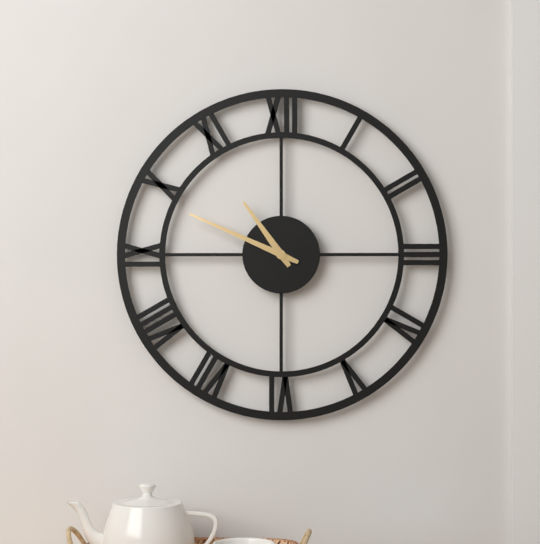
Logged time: 10 h 49 min
